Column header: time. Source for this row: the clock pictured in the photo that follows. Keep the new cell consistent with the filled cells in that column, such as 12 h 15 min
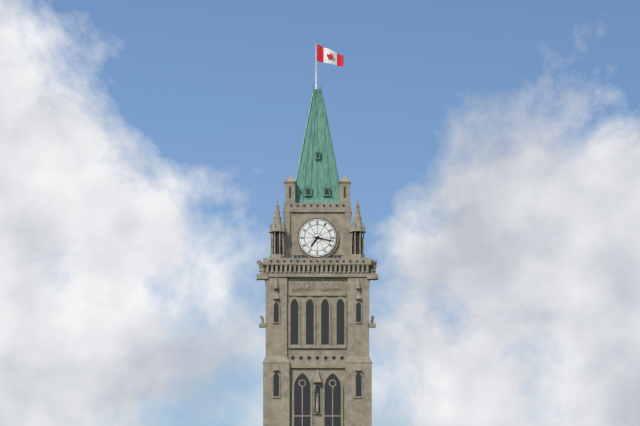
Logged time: 7 h 17 min
